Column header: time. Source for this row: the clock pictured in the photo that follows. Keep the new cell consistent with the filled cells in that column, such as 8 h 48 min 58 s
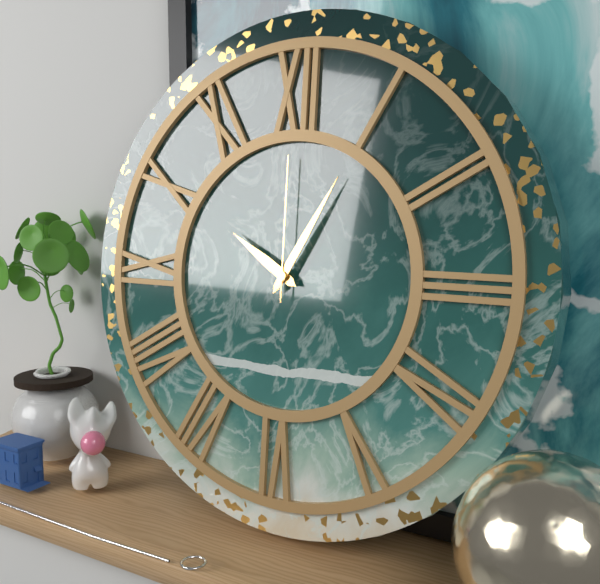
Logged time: 10 h 05 min 00 s
